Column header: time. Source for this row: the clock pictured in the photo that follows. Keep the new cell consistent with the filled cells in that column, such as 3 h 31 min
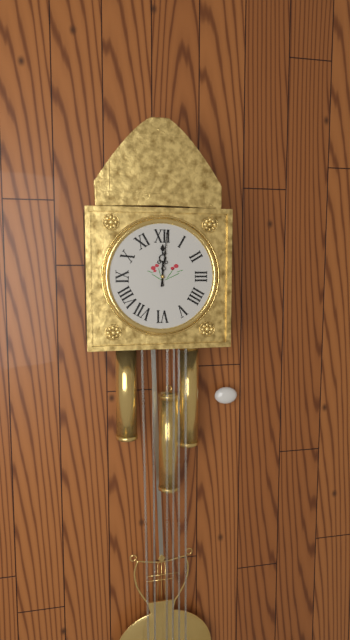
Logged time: 12 h 01 min
